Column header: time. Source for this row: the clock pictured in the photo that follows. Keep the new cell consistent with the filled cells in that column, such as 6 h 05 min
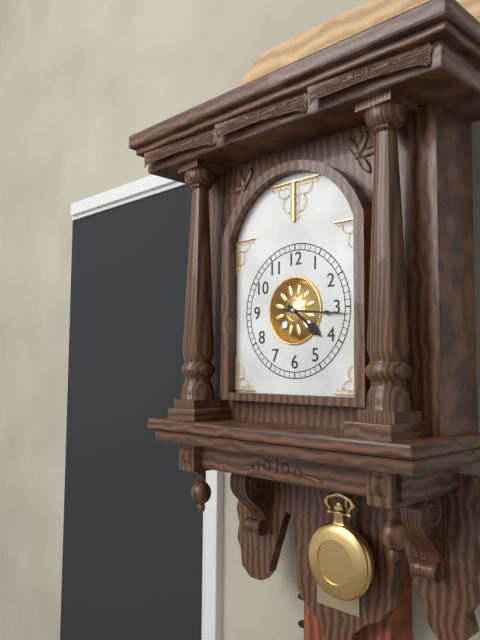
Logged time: 4 h 16 min
